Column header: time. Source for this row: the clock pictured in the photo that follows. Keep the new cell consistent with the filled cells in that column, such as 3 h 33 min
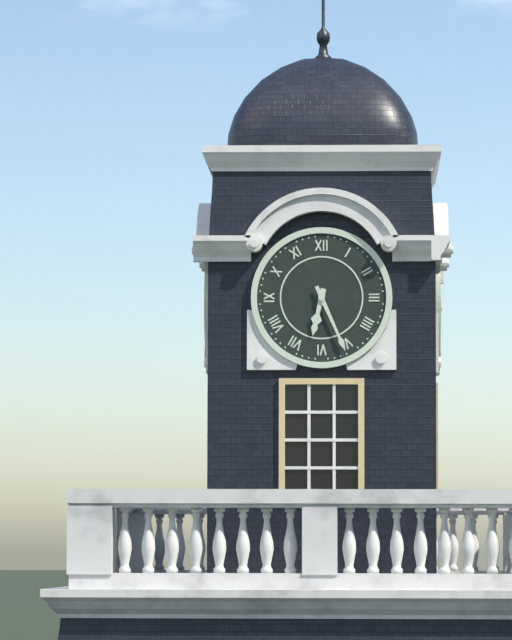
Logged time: 6 h 26 min
